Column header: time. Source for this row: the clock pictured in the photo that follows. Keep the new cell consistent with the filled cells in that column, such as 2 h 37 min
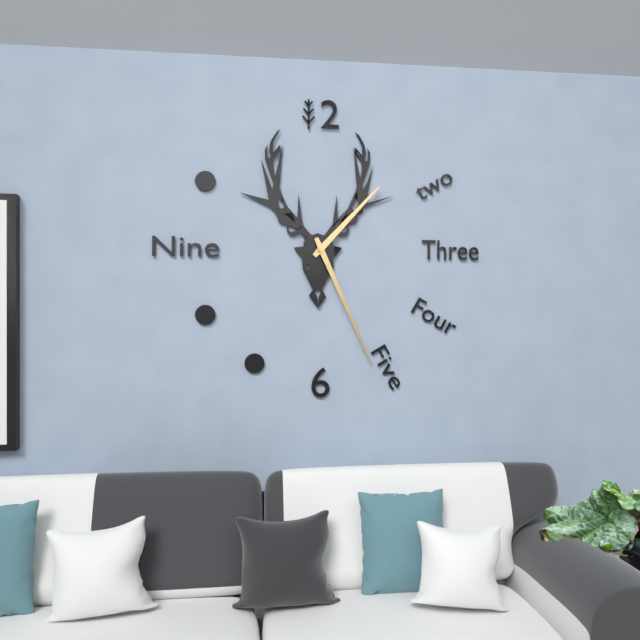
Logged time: 1 h 26 min
